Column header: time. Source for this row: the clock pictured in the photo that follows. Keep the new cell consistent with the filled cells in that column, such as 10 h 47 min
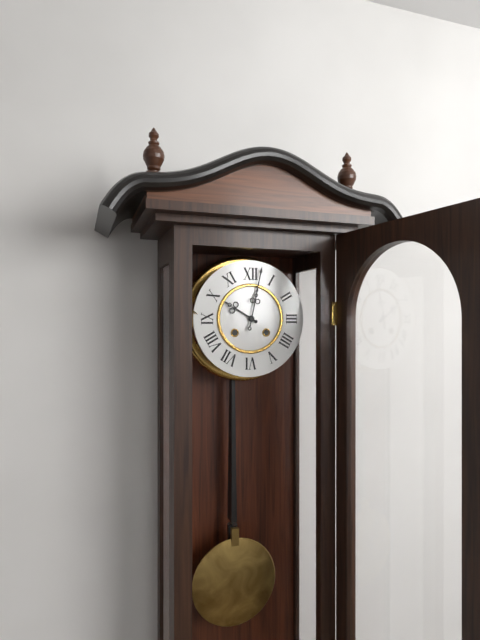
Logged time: 10 h 02 min
